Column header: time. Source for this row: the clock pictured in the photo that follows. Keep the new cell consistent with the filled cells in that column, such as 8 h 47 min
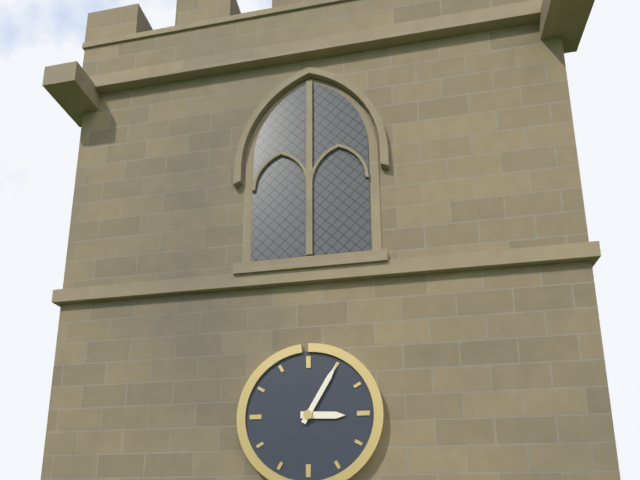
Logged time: 3 h 05 min
